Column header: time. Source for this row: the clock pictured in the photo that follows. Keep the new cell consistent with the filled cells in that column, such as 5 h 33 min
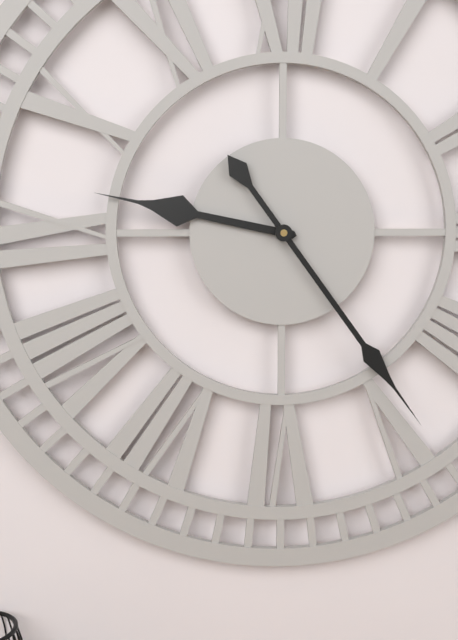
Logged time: 9 h 24 min
